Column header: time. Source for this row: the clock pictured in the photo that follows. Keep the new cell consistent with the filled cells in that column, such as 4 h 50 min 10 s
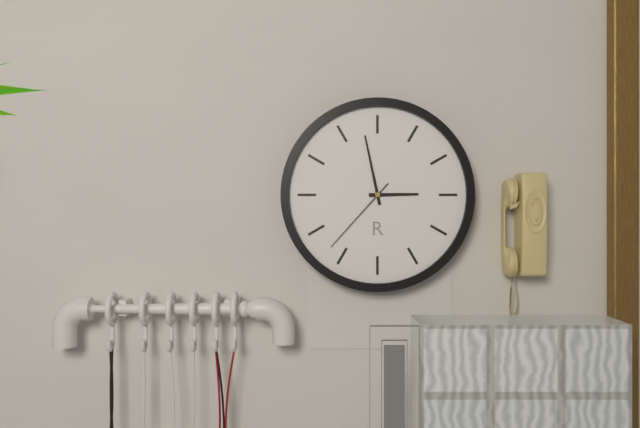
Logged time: 2 h 58 min 37 s
